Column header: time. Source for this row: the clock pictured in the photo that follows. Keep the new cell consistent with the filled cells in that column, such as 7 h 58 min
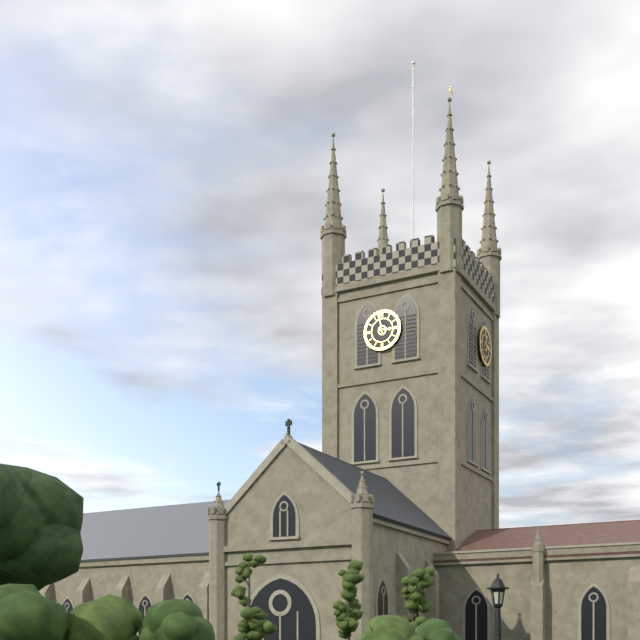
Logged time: 2 h 58 min
